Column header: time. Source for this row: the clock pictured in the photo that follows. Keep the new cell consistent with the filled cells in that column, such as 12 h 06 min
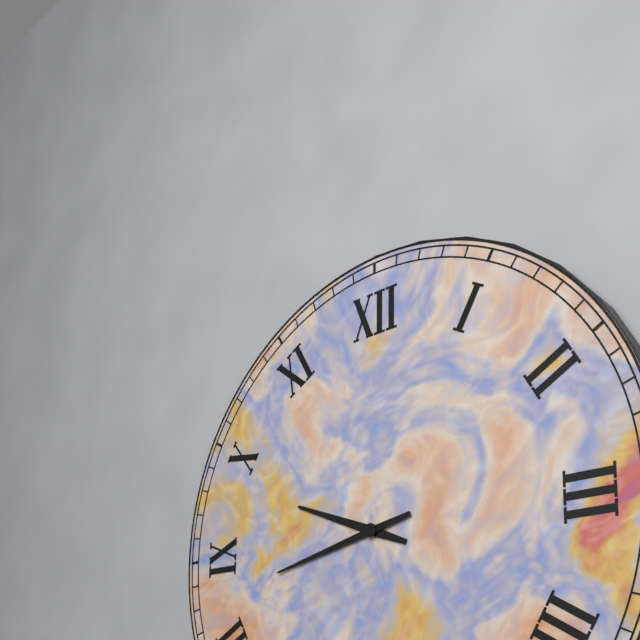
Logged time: 9 h 43 min
